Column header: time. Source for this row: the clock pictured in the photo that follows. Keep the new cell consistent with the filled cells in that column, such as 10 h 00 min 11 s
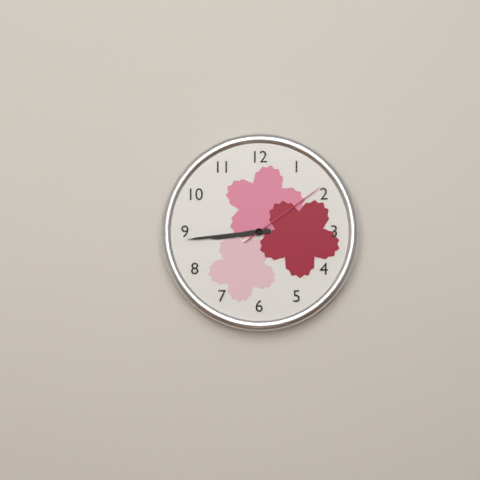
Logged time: 8 h 44 min 09 s
